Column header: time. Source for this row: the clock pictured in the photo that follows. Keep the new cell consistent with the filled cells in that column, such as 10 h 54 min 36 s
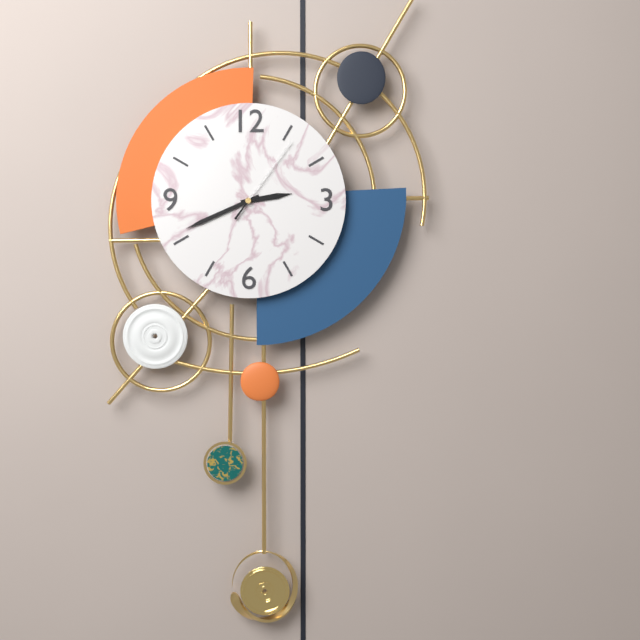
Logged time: 2 h 41 min 06 s
